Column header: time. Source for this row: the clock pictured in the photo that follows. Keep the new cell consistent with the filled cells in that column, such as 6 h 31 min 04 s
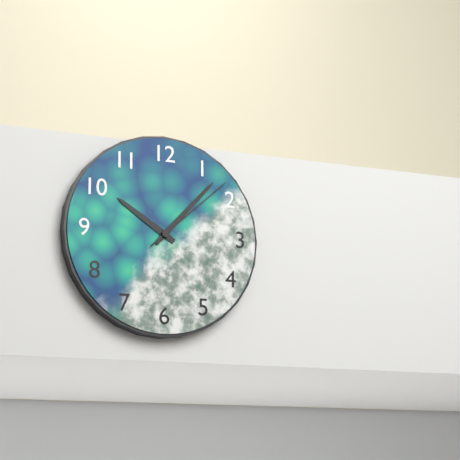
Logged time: 10 h 07 min 08 s
